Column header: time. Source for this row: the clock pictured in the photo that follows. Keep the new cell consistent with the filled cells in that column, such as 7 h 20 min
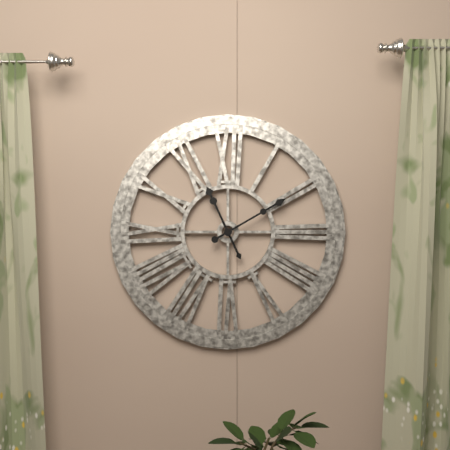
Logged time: 11 h 10 min
